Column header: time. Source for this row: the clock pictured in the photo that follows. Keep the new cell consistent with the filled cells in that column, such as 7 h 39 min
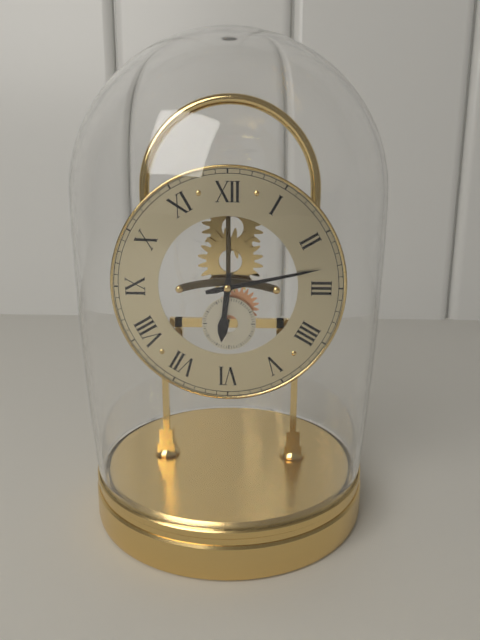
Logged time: 6 h 13 min
